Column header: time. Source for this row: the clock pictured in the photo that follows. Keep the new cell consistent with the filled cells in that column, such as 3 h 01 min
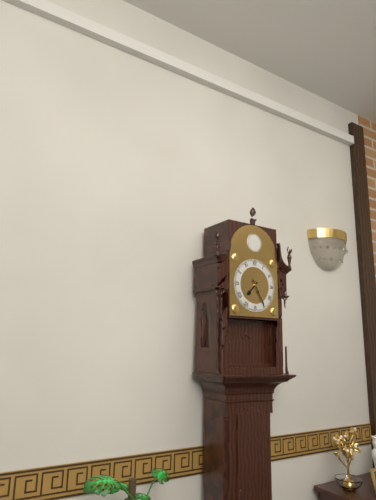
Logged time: 7 h 25 min
